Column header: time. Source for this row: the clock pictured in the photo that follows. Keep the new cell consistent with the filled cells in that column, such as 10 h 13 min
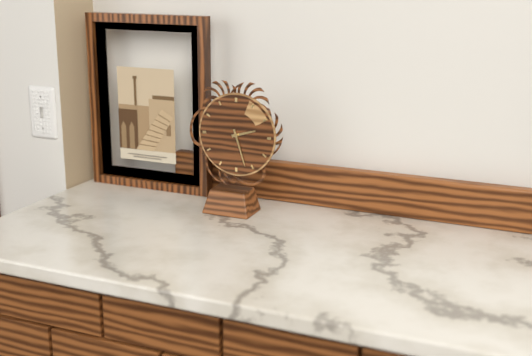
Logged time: 2 h 27 min
